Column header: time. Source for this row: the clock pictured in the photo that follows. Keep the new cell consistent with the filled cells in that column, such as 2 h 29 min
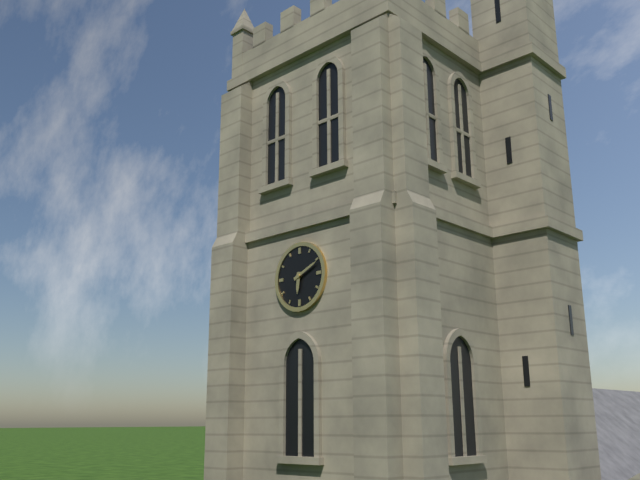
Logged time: 6 h 11 min
